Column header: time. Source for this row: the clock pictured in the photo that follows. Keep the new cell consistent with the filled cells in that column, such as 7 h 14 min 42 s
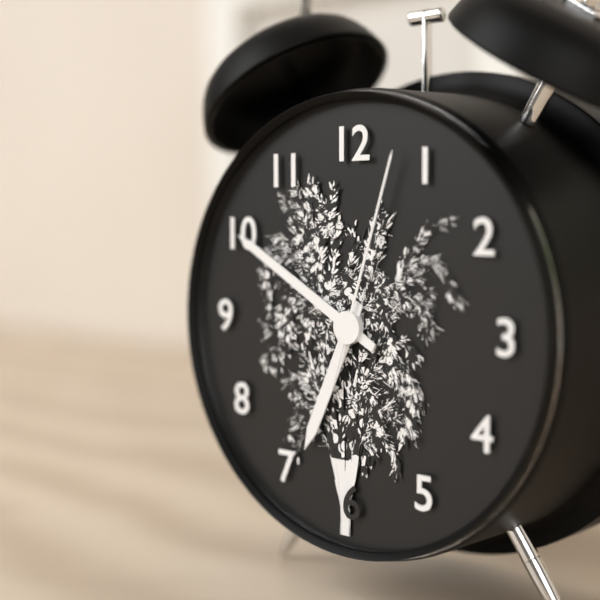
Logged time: 6 h 50 min 03 s
